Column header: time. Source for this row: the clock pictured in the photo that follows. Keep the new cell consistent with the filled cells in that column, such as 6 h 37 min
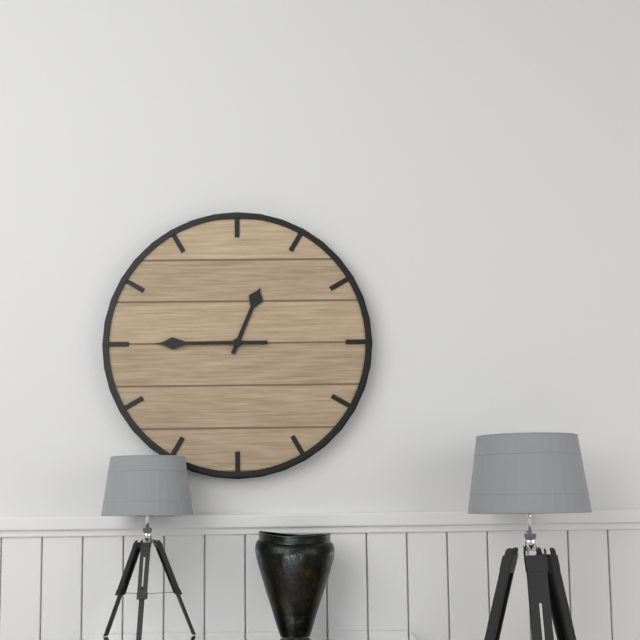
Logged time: 12 h 45 min
